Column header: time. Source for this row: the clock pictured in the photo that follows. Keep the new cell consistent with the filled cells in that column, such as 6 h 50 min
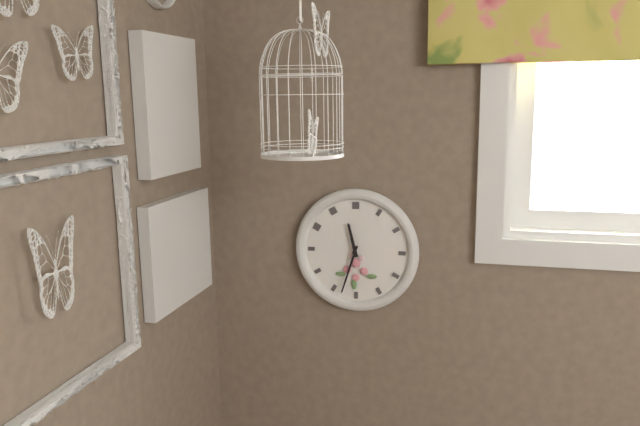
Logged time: 11 h 33 min
